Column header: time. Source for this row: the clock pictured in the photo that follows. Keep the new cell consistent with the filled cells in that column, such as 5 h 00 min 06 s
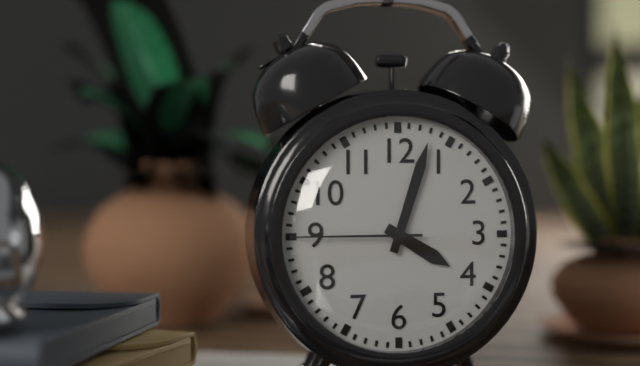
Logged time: 4 h 03 min 45 s
